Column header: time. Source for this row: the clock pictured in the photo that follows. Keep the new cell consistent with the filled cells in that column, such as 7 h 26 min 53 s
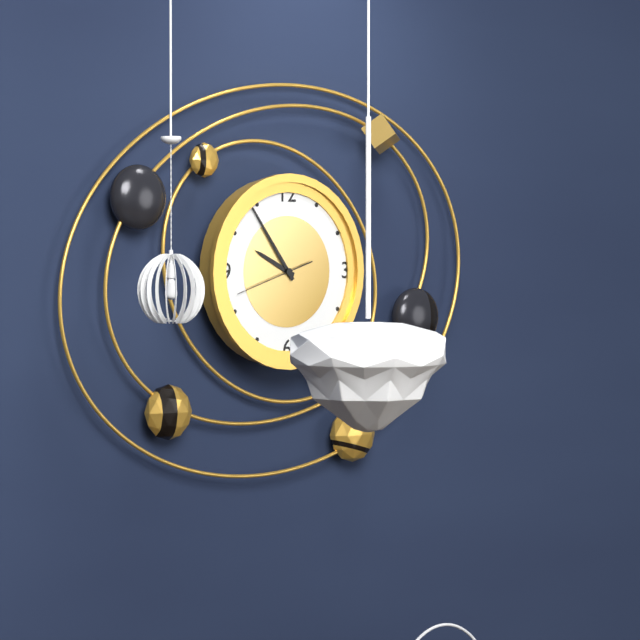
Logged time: 9 h 54 min 42 s
